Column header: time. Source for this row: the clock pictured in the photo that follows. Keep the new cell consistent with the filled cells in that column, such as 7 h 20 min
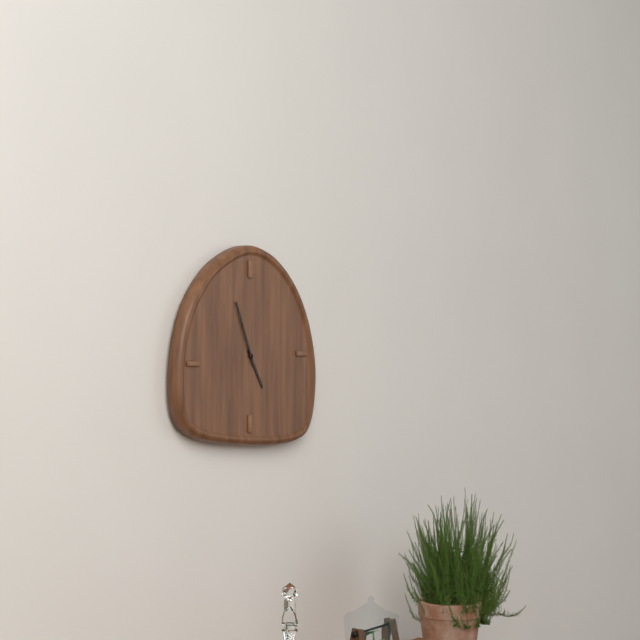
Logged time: 4 h 56 min
